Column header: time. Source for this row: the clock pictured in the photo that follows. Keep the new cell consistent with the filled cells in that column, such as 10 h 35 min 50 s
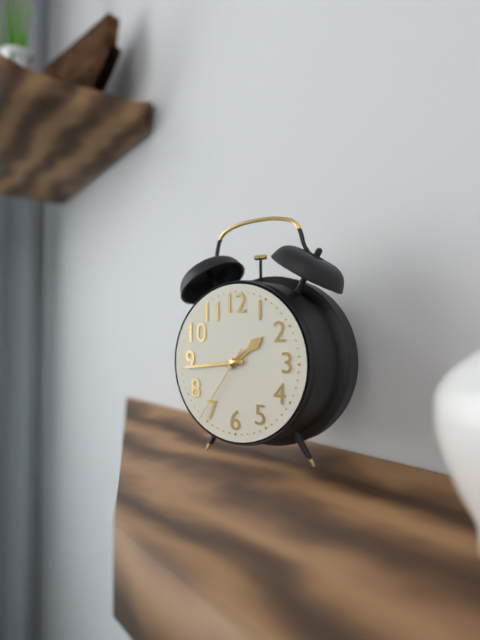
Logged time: 1 h 44 min 36 s
